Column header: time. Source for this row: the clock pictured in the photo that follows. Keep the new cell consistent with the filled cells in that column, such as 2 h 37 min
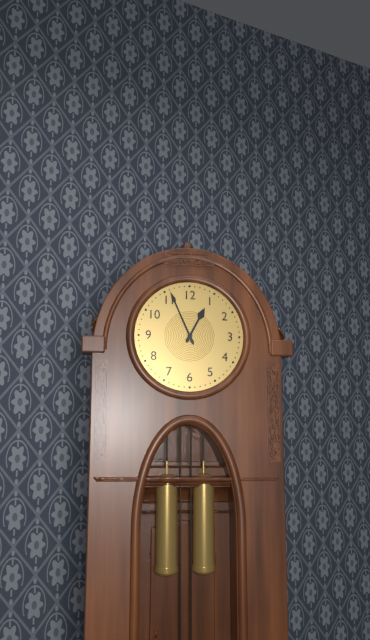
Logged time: 12 h 56 min
